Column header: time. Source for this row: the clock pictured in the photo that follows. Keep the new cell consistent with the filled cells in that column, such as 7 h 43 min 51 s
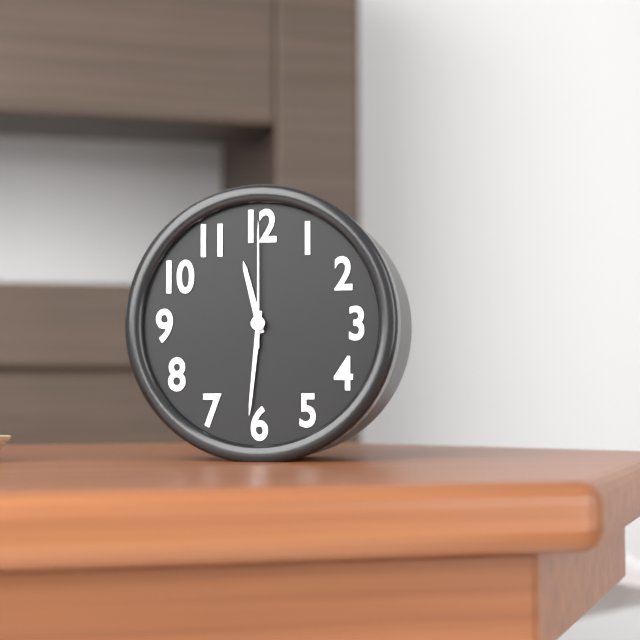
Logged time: 11 h 31 min 00 s
